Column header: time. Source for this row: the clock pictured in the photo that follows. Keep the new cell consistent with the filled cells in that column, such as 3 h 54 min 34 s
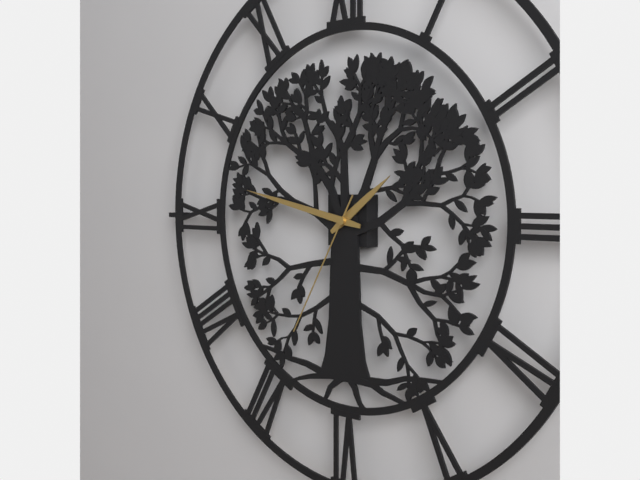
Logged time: 1 h 47 min 35 s
